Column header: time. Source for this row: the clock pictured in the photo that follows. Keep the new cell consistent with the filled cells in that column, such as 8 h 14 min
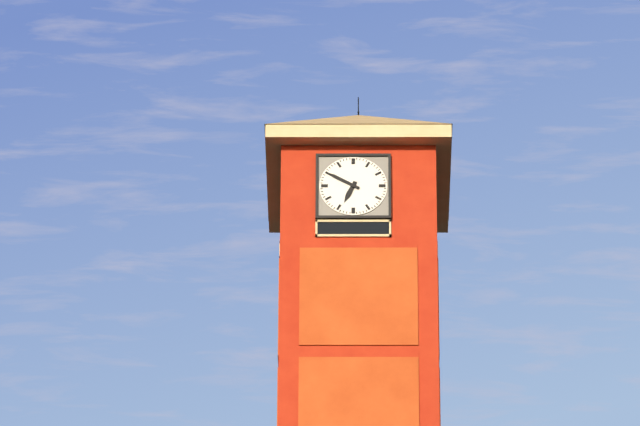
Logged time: 6 h 50 min
